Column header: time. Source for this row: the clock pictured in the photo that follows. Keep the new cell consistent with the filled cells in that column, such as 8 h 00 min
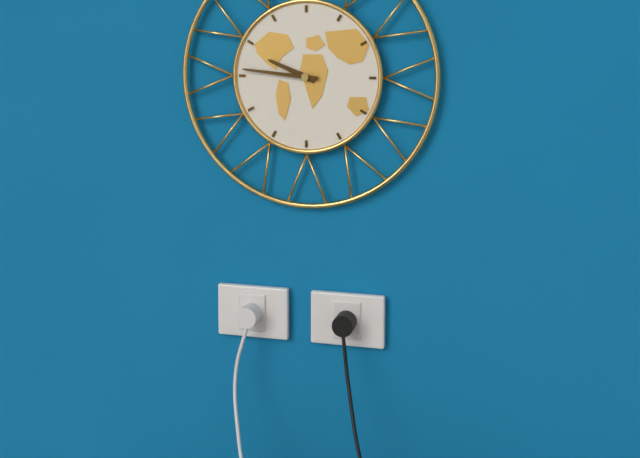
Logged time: 9 h 46 min
